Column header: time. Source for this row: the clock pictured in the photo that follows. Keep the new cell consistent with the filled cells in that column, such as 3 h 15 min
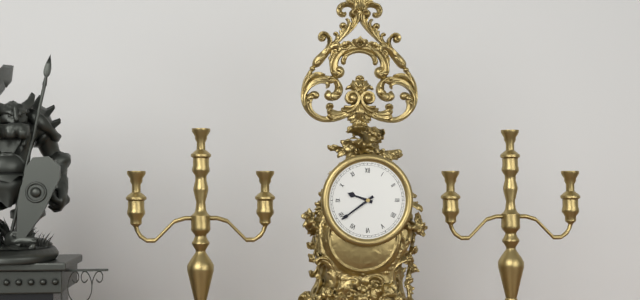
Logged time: 9 h 39 min
